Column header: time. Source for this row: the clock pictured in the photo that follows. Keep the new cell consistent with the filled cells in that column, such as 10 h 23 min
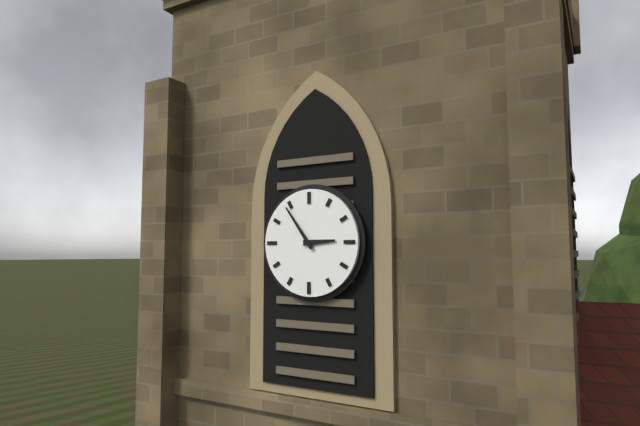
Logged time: 2 h 54 min
